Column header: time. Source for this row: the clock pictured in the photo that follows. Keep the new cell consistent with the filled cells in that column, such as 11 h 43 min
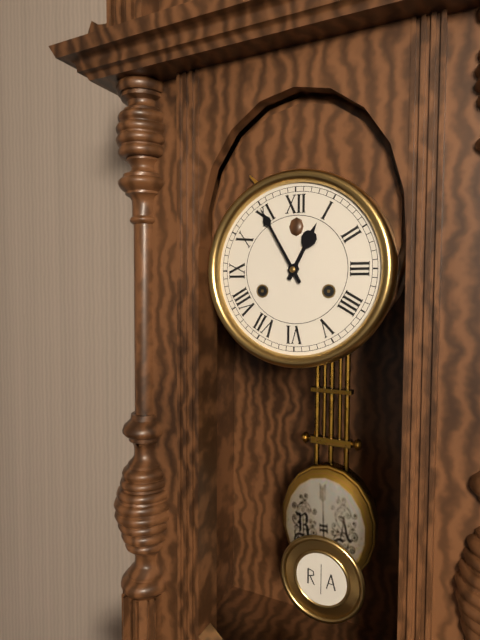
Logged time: 12 h 55 min
